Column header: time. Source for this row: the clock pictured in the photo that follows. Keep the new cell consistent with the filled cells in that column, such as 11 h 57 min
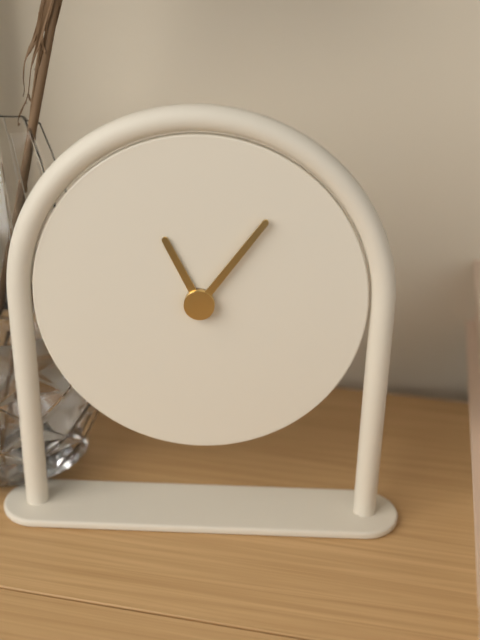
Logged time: 11 h 06 min
